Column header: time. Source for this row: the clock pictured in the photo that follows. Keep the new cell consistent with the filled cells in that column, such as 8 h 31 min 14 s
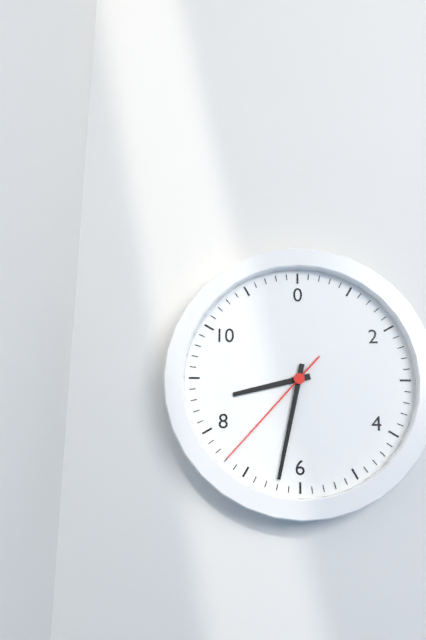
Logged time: 8 h 32 min 37 s
